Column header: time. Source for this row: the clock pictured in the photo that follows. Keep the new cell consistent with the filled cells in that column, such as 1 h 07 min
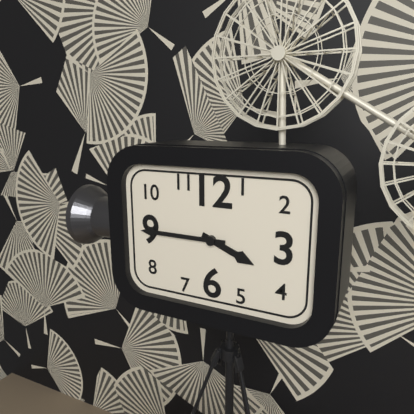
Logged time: 3 h 45 min
